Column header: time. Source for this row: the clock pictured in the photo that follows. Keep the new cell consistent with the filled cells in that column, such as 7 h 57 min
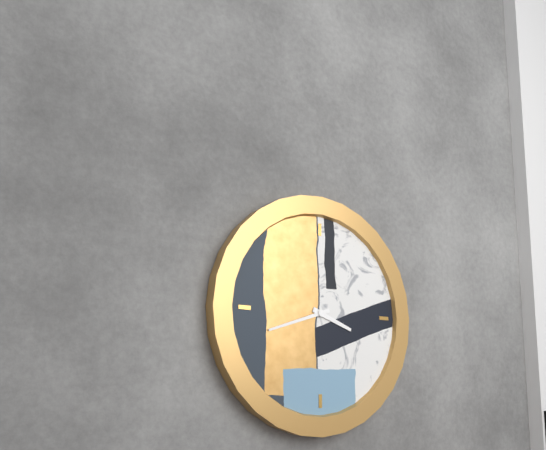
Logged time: 3 h 42 min
